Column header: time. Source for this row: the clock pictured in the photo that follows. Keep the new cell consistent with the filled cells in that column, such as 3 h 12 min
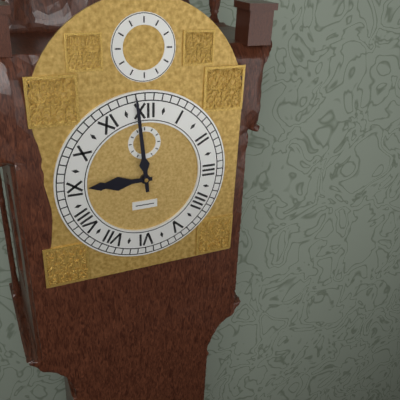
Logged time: 8 h 59 min
